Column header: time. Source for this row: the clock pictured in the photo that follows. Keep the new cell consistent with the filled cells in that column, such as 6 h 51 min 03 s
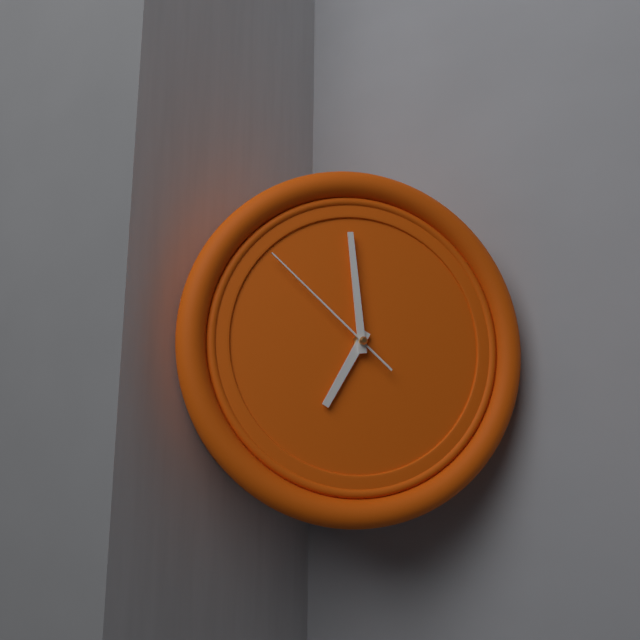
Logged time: 6 h 59 min 52 s
